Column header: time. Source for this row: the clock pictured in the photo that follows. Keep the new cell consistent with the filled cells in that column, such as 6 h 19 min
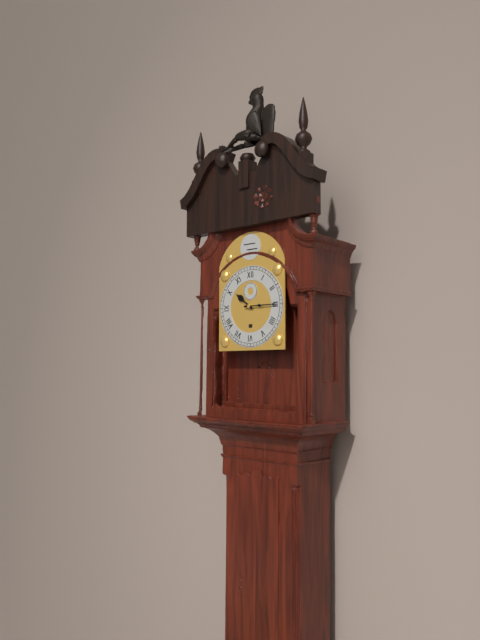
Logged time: 10 h 15 min
